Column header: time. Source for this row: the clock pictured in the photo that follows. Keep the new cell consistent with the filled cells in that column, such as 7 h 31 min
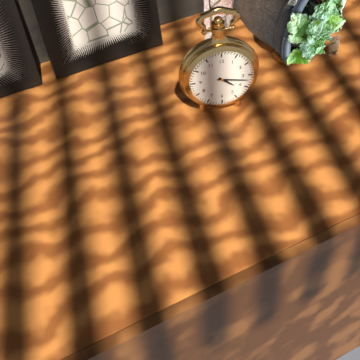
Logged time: 4 h 17 min
